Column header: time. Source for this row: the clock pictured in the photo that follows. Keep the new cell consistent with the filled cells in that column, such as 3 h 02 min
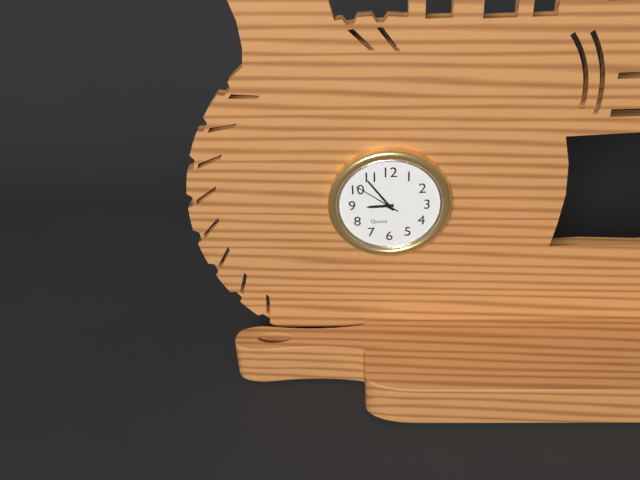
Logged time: 8 h 54 min
